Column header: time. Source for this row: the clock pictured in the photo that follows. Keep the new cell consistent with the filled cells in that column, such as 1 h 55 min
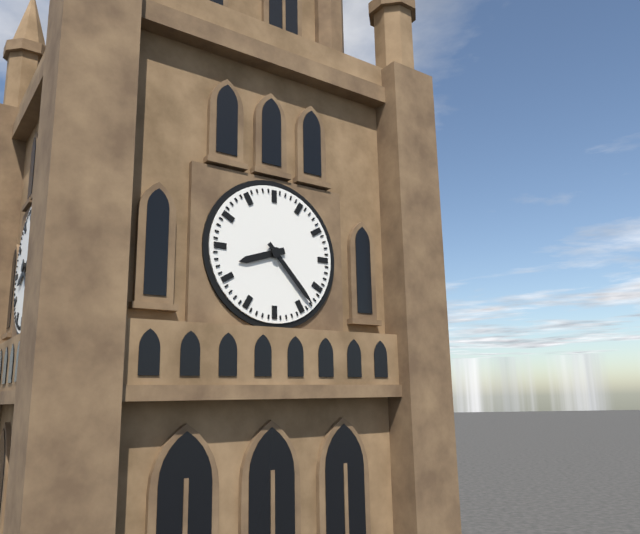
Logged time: 8 h 23 min
